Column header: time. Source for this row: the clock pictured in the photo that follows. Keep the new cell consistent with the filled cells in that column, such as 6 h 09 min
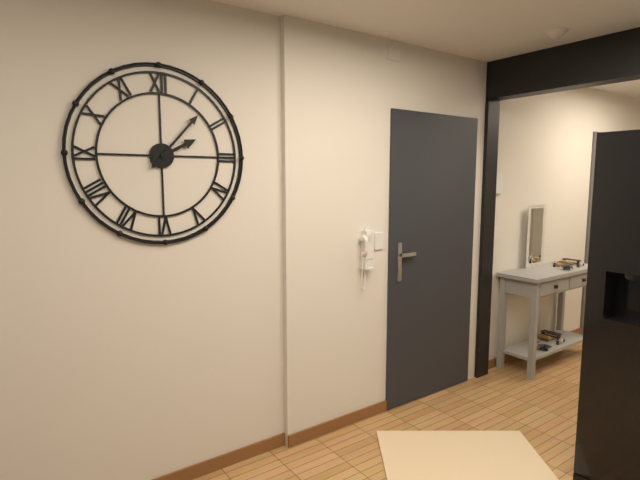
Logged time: 2 h 07 min
